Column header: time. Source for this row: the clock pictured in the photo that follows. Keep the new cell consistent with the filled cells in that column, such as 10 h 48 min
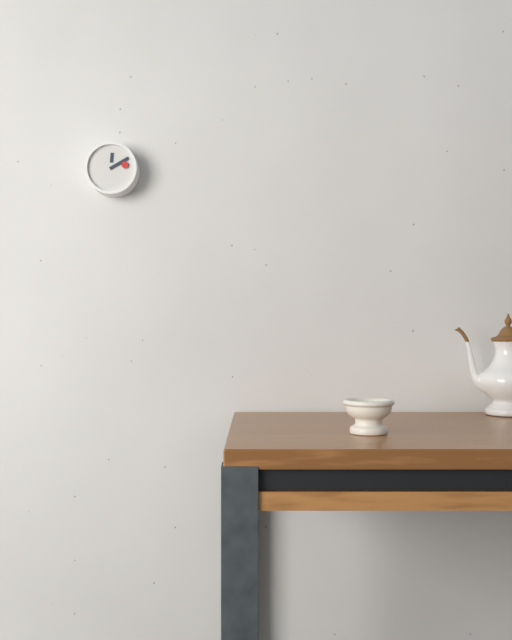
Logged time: 12 h 10 min
